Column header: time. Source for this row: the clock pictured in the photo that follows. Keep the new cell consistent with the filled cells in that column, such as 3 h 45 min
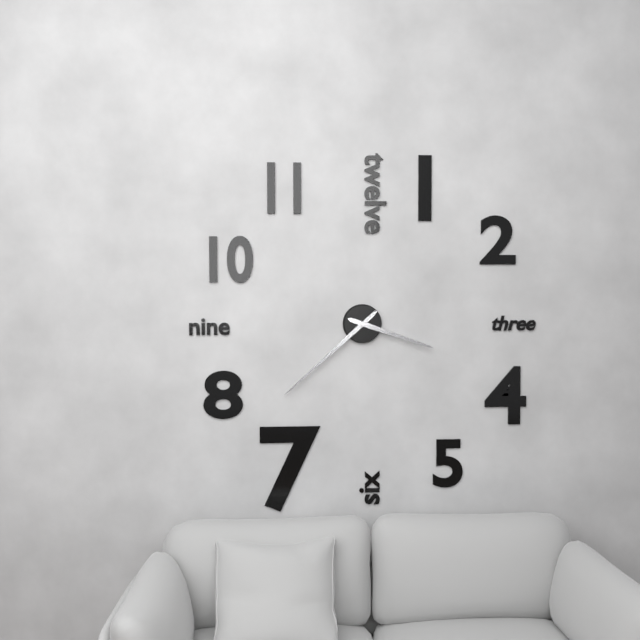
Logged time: 3 h 38 min
